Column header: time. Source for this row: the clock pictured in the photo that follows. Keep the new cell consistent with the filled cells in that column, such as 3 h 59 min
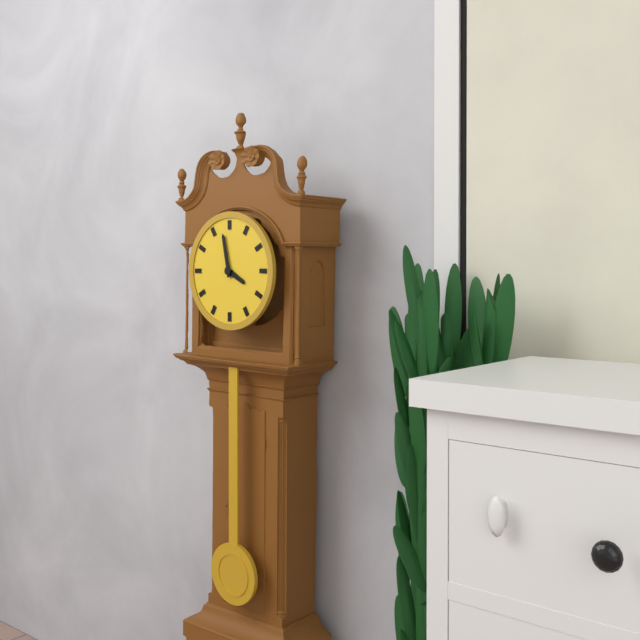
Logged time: 3 h 58 min
